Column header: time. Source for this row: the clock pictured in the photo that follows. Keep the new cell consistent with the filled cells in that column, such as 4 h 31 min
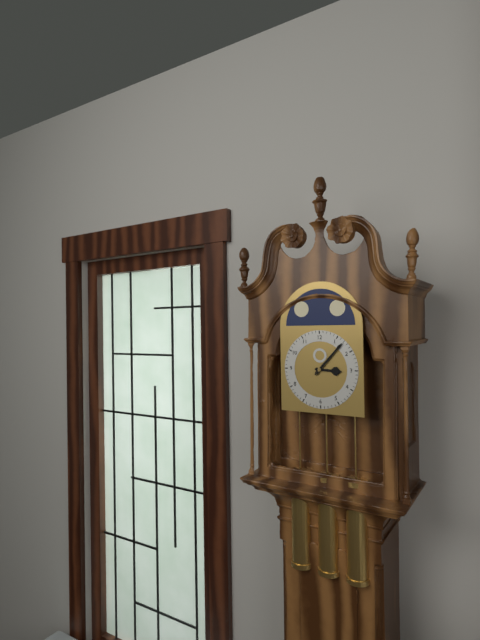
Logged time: 3 h 07 min
